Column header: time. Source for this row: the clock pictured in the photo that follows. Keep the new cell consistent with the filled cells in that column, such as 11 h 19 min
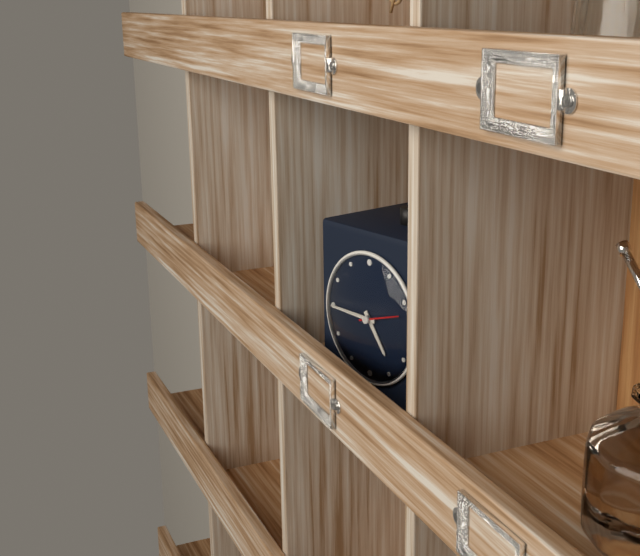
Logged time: 4 h 45 min
